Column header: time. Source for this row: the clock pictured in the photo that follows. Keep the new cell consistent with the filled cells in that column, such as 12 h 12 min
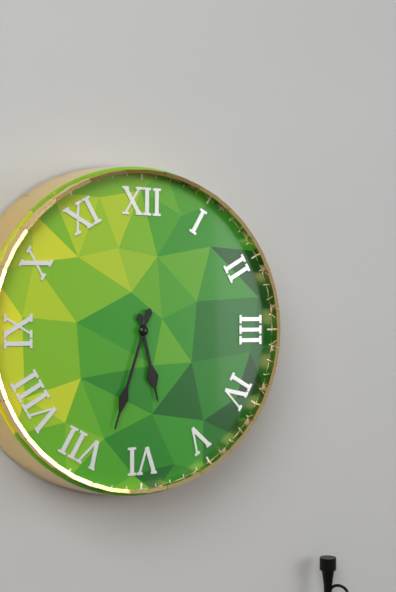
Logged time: 5 h 33 min
